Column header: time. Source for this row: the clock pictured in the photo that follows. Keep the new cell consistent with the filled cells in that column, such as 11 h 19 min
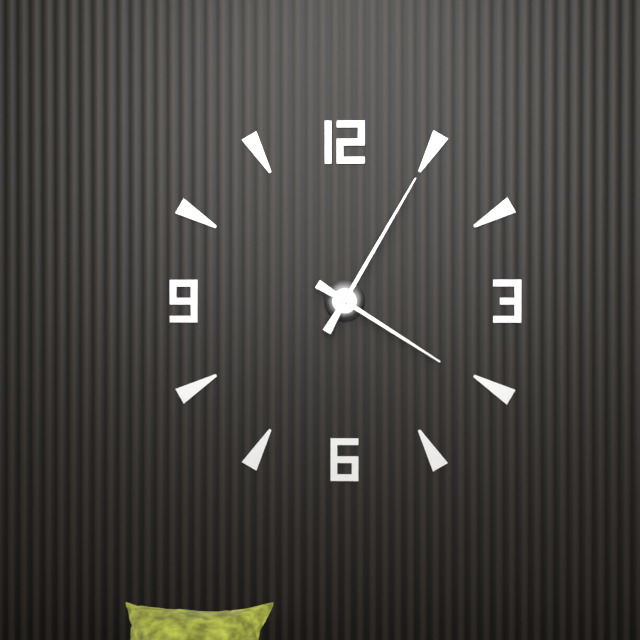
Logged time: 4 h 05 min
